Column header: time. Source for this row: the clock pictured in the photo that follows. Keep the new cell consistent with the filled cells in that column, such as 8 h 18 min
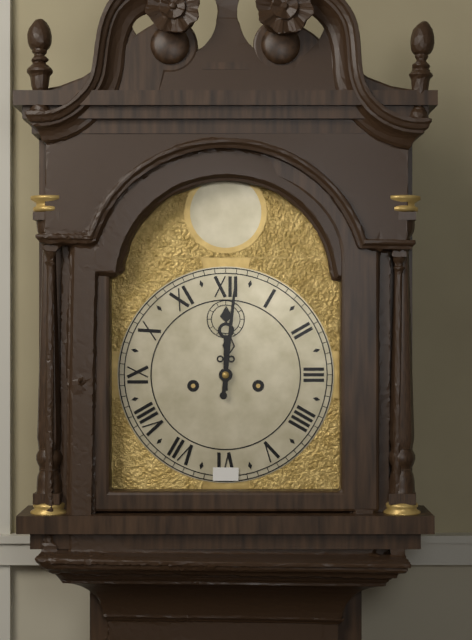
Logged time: 12 h 01 min
